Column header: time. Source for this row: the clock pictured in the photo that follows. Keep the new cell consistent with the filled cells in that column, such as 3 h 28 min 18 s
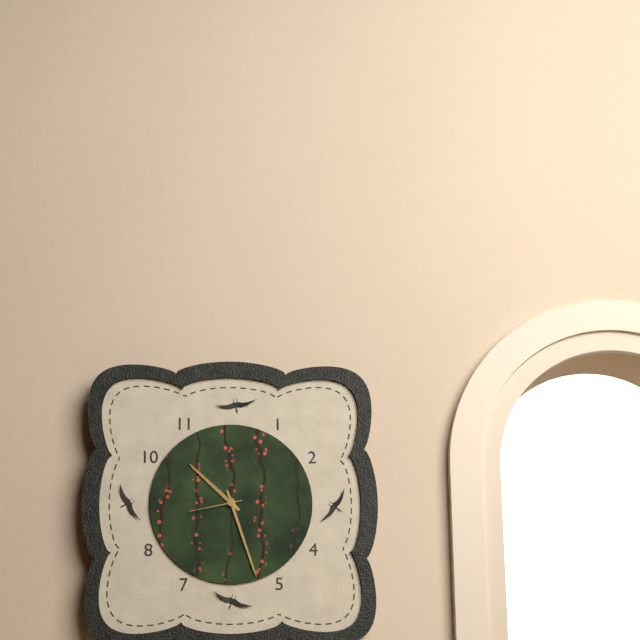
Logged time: 10 h 27 min 43 s
